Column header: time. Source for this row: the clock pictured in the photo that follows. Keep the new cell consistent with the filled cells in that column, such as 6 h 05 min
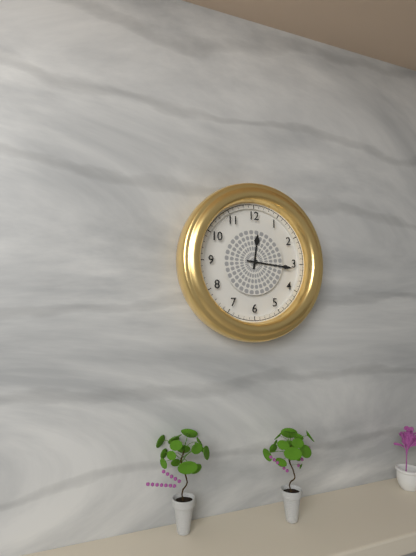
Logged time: 12 h 16 min
